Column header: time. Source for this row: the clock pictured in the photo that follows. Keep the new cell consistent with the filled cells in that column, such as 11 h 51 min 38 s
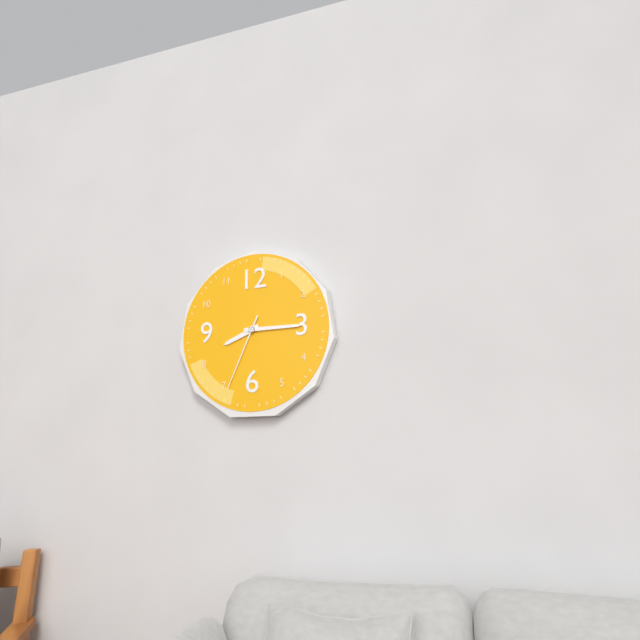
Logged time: 8 h 15 min 34 s
